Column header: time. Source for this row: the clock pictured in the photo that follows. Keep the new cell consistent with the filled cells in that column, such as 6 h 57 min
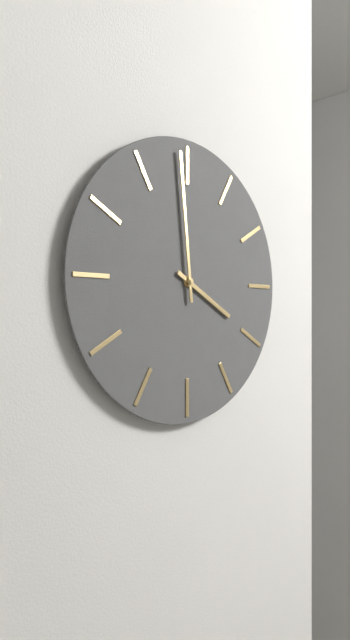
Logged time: 3 h 59 min
